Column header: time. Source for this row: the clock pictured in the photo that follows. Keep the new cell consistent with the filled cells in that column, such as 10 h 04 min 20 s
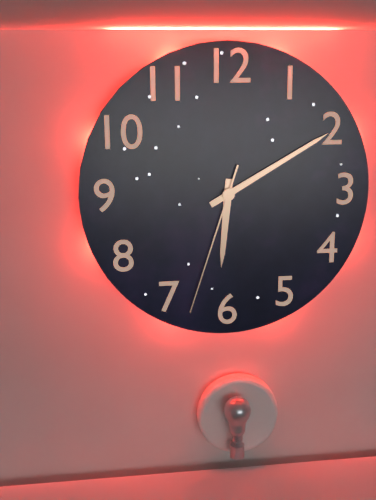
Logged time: 6 h 10 min 33 s
